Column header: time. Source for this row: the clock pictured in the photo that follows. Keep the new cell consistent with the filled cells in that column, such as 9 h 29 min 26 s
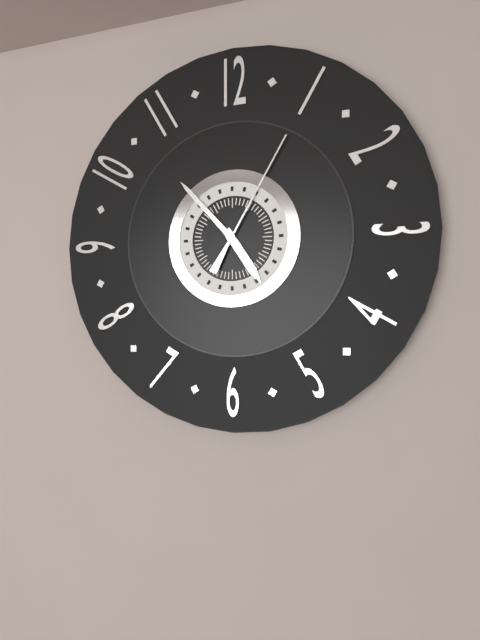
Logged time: 4 h 53 min 05 s
